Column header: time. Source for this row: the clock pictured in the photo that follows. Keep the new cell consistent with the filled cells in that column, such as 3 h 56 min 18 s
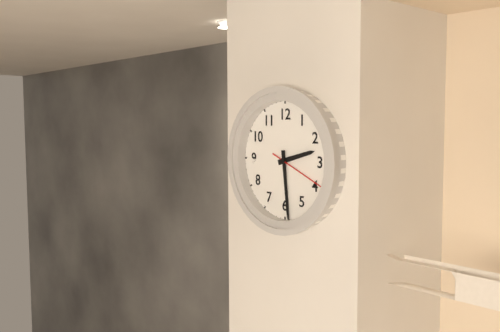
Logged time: 2 h 29 min 19 s
